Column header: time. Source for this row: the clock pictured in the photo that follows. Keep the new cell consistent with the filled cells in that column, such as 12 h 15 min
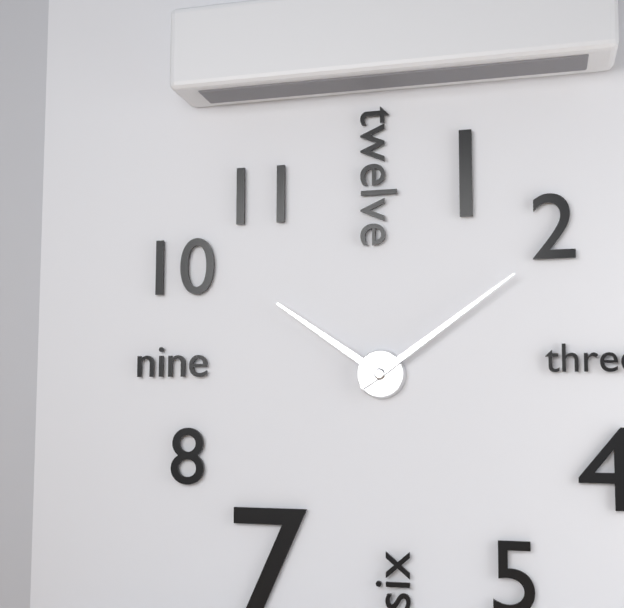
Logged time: 10 h 09 min
